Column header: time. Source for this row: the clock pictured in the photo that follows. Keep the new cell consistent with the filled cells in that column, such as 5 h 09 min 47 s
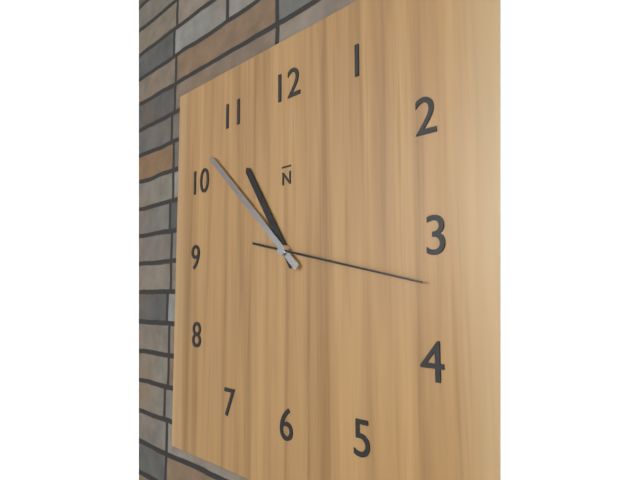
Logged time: 10 h 52 min 17 s
